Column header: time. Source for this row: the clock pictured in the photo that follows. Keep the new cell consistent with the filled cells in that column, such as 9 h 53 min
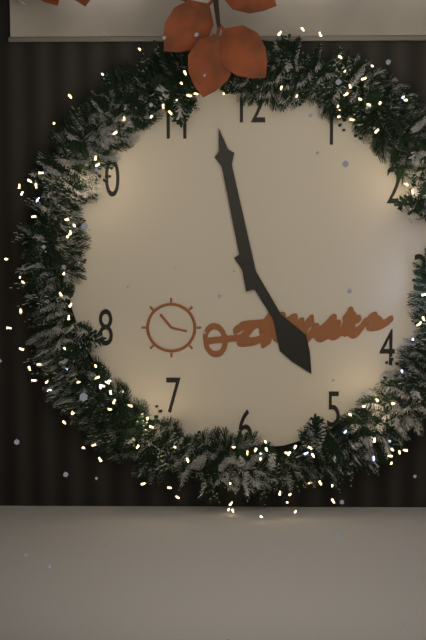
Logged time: 4 h 58 min
